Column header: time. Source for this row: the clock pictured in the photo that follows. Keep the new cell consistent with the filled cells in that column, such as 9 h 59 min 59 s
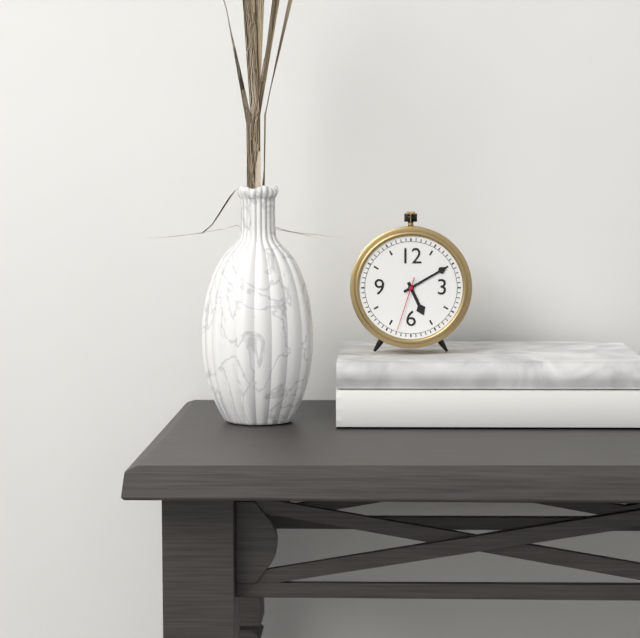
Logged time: 5 h 10 min 33 s
